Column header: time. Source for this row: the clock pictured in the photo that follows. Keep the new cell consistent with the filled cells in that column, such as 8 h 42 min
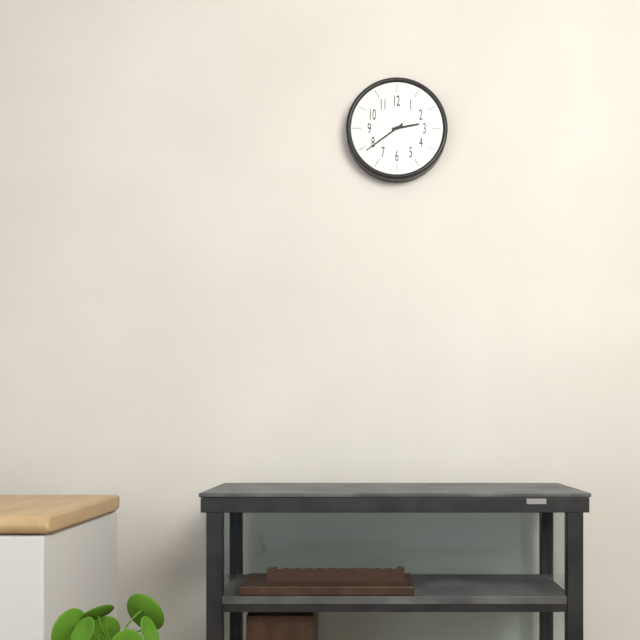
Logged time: 2 h 39 min
